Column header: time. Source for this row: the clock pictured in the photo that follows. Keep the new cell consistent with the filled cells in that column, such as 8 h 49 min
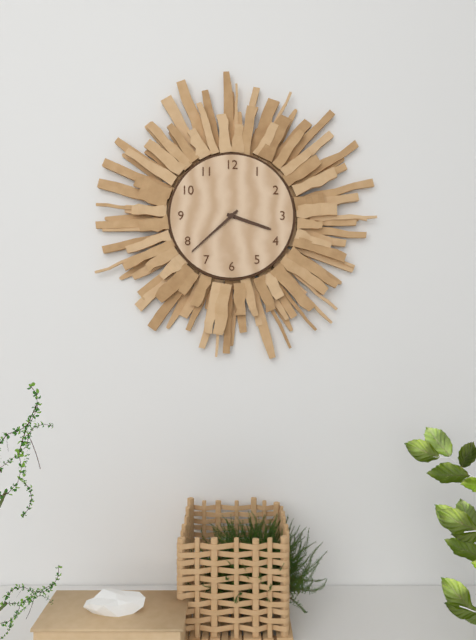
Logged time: 3 h 38 min
